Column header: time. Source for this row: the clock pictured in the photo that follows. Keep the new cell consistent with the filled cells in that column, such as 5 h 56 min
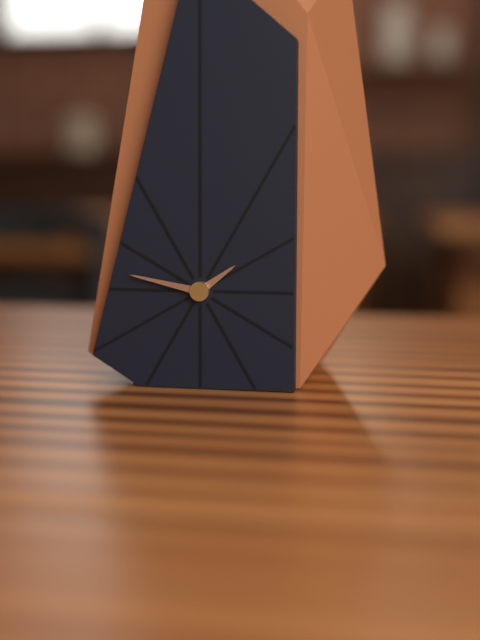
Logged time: 1 h 47 min
